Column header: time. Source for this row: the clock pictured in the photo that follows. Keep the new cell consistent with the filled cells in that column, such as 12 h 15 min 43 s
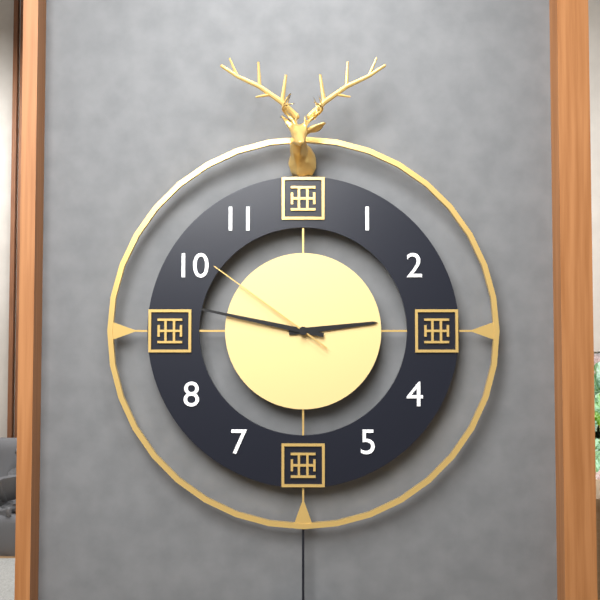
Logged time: 2 h 47 min 51 s
